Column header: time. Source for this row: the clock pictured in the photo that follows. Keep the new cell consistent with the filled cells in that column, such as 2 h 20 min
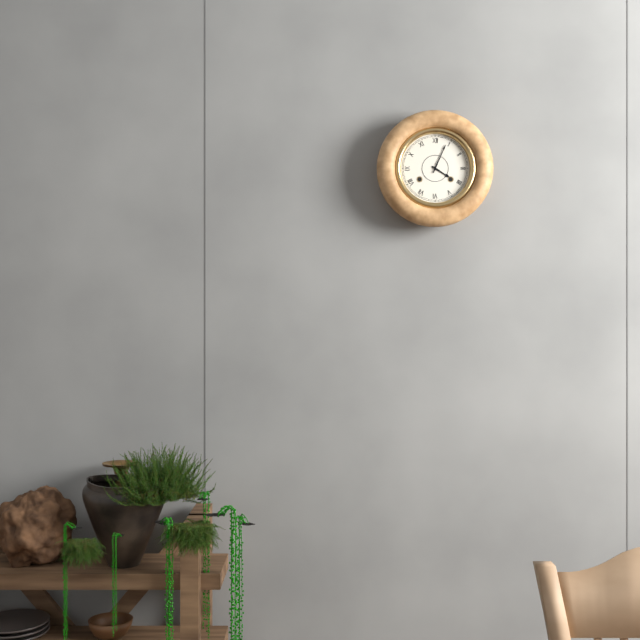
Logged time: 4 h 04 min
